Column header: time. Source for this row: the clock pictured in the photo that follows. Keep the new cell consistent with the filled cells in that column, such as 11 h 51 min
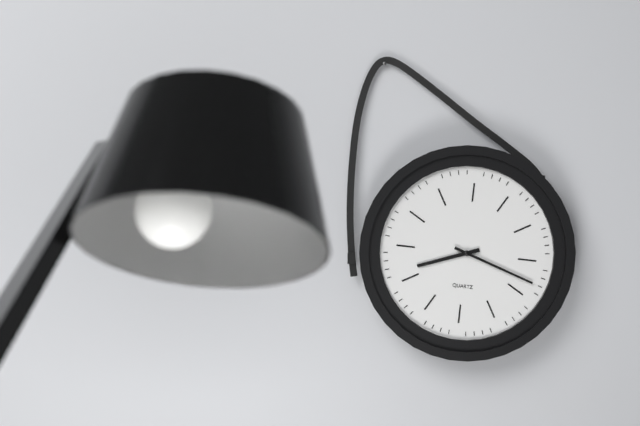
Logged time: 8 h 18 min
